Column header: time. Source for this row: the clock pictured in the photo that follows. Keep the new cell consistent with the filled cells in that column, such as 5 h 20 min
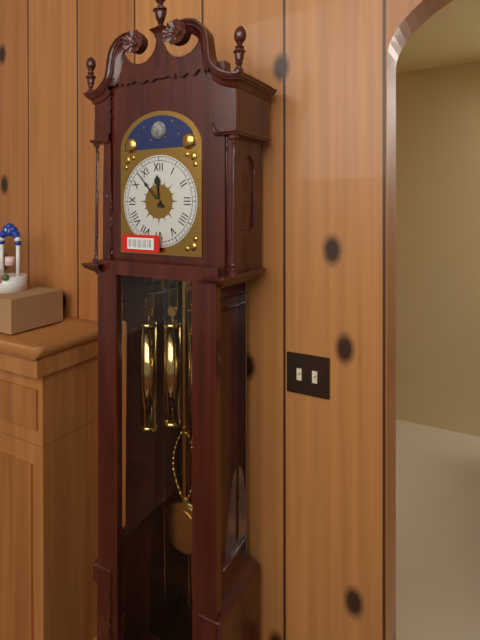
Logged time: 11 h 53 min
